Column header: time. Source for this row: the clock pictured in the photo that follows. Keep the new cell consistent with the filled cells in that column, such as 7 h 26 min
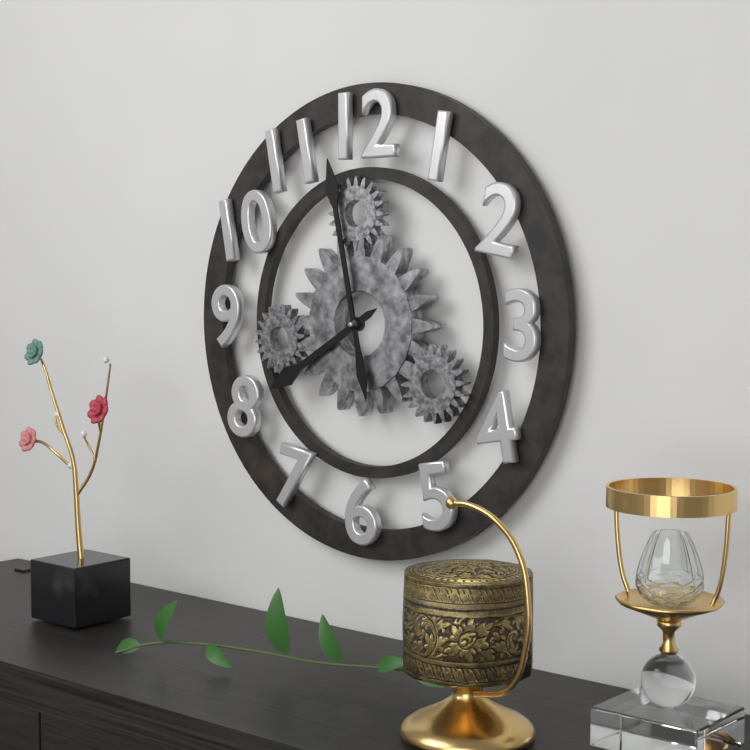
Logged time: 7 h 58 min
